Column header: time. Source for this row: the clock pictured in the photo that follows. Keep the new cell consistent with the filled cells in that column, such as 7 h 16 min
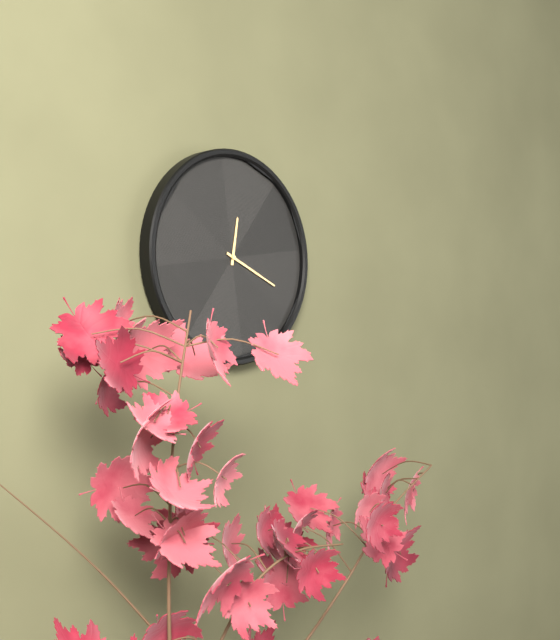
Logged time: 12 h 19 min
